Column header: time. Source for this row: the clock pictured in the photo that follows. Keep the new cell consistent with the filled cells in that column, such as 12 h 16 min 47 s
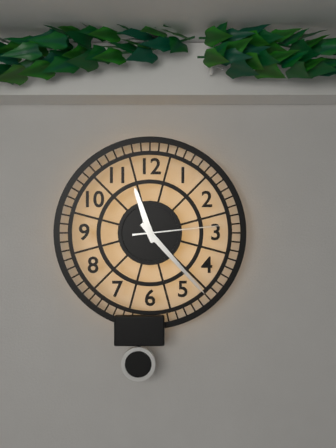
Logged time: 11 h 23 min 14 s
